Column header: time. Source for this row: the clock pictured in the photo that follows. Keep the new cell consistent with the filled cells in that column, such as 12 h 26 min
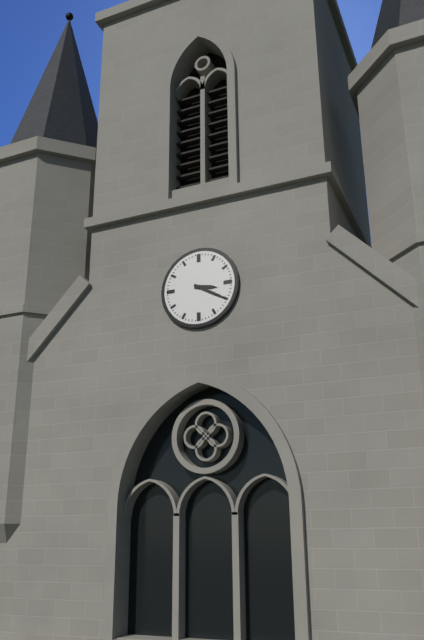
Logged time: 3 h 20 min
